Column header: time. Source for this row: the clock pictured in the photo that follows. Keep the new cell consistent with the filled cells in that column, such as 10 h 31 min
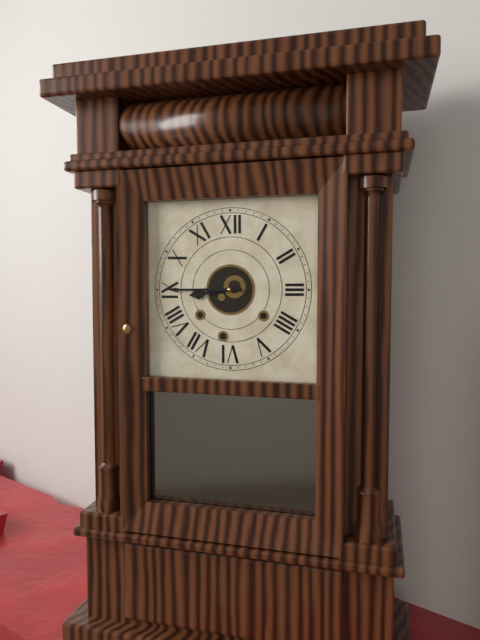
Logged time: 8 h 45 min
